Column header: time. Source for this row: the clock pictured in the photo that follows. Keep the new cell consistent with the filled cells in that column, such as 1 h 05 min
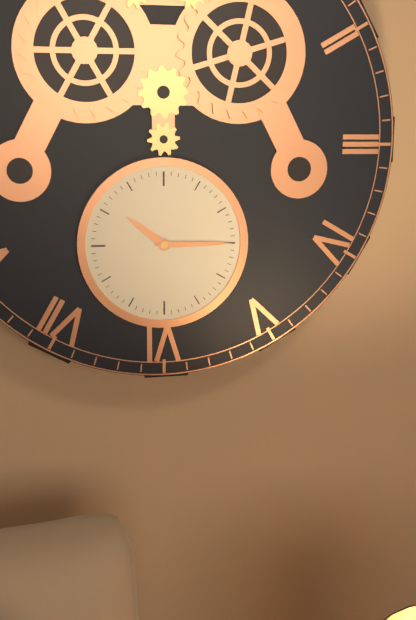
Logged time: 10 h 15 min
